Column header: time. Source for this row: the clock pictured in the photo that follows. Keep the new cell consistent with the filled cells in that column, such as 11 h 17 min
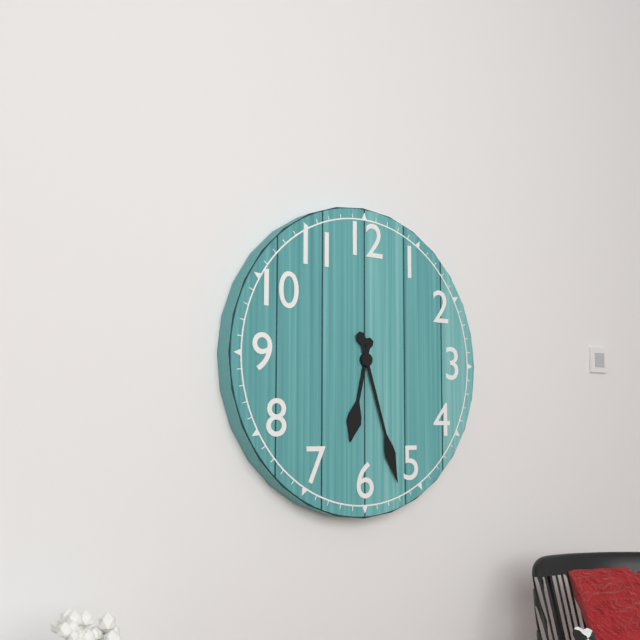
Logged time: 6 h 27 min
